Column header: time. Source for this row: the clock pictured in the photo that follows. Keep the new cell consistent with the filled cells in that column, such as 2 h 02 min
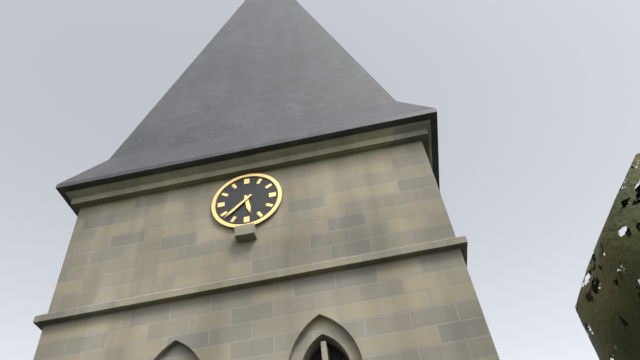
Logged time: 5 h 38 min
